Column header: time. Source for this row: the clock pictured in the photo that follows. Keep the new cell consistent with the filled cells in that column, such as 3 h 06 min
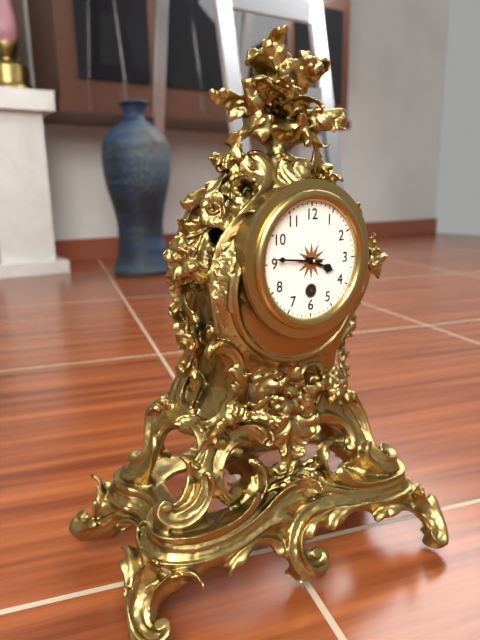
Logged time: 3 h 46 min
